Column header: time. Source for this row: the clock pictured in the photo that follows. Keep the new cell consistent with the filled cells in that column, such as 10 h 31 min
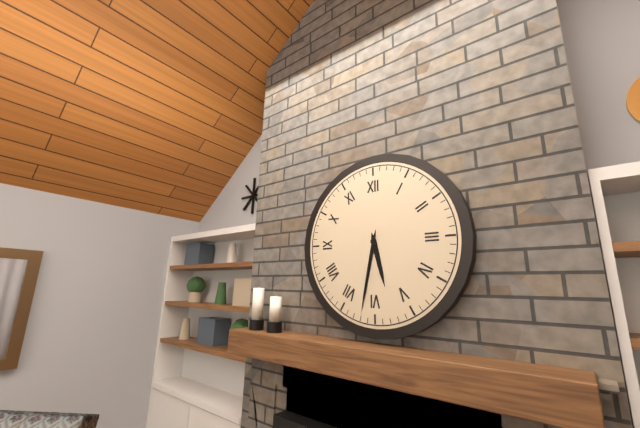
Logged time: 5 h 32 min
